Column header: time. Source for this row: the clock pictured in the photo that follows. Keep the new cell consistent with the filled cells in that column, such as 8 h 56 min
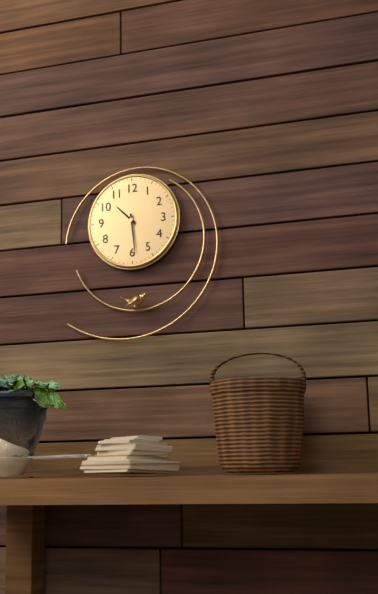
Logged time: 10 h 29 min
